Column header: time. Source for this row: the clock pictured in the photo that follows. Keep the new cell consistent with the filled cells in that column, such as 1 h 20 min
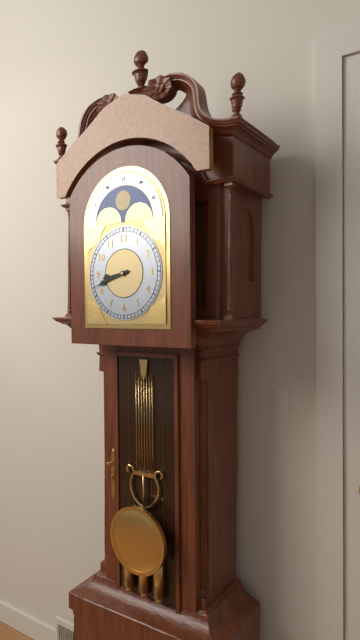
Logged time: 8 h 42 min
